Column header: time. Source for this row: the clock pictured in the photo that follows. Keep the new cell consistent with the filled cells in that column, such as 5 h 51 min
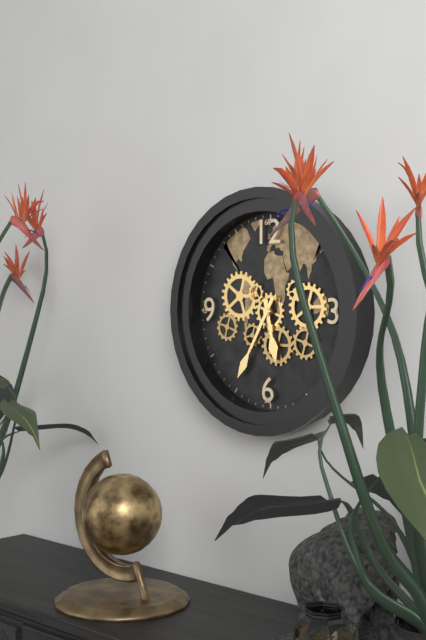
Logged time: 5 h 35 min
